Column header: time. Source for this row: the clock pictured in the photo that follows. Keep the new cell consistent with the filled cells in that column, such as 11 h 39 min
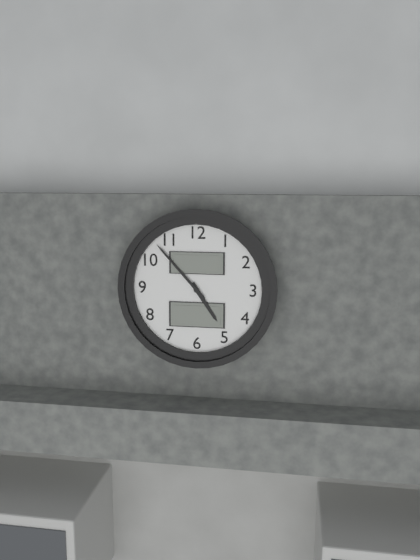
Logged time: 4 h 53 min
